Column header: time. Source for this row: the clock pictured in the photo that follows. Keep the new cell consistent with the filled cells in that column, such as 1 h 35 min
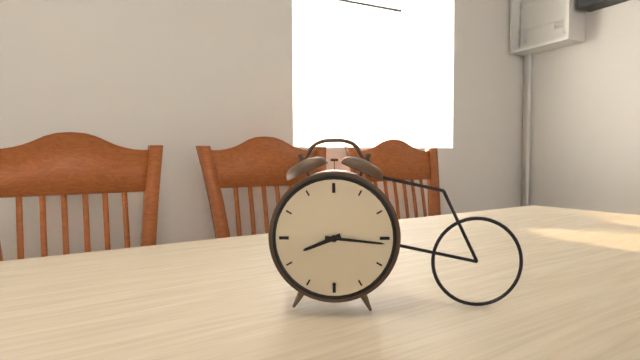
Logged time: 8 h 16 min
